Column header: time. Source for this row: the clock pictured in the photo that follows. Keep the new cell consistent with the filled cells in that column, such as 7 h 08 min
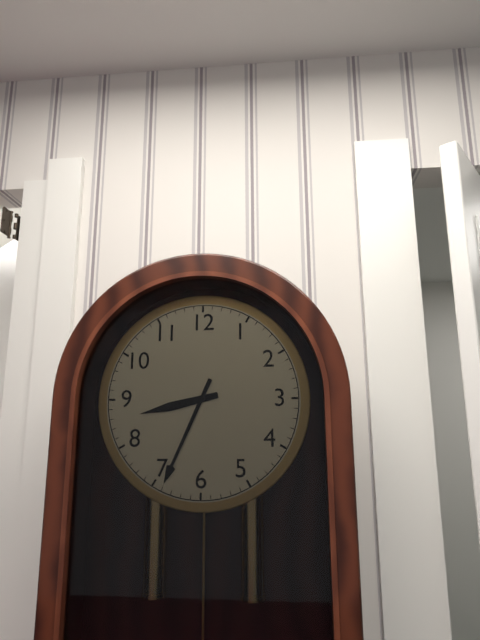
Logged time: 8 h 34 min
